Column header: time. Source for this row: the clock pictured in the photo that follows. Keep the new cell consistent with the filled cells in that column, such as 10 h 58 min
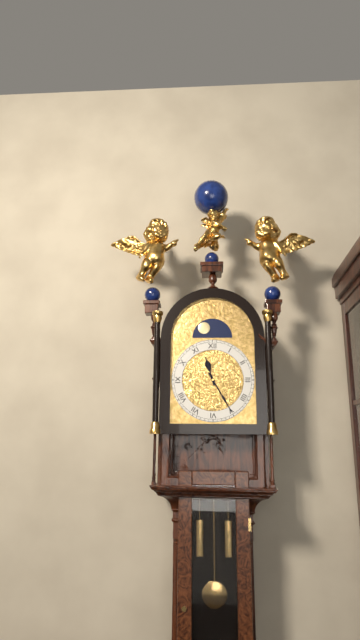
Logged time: 11 h 25 min
